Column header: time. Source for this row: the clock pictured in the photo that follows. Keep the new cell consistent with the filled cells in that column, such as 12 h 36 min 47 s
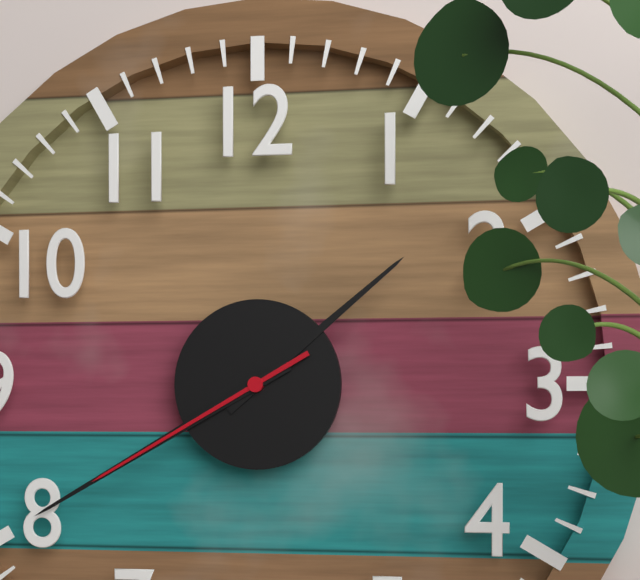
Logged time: 1 h 40 min 40 s
